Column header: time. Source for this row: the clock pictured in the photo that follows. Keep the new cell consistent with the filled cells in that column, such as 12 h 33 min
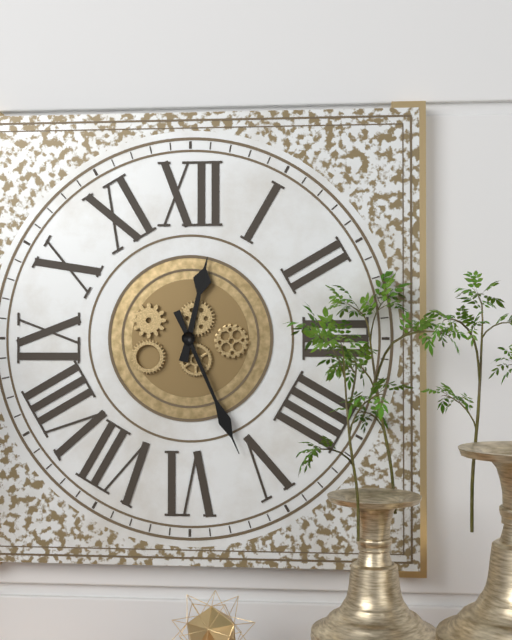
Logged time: 12 h 26 min
